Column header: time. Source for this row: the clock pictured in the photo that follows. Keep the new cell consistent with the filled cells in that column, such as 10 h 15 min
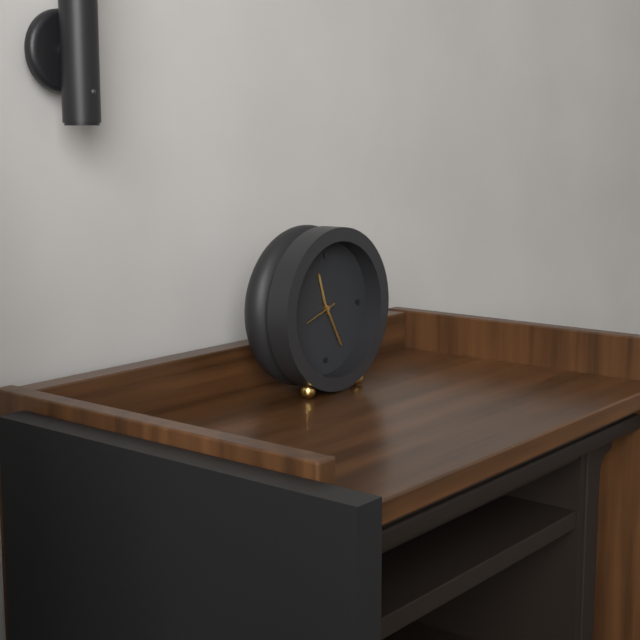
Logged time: 11 h 25 min
